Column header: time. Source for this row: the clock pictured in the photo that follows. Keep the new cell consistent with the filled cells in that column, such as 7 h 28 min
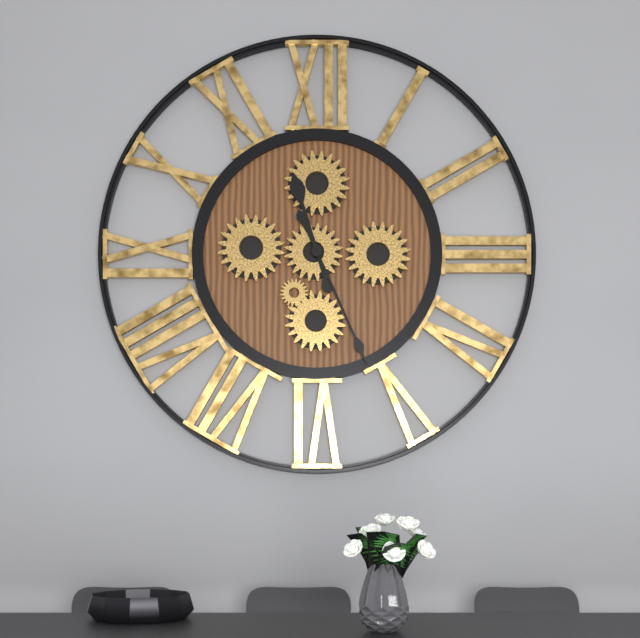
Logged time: 11 h 26 min
